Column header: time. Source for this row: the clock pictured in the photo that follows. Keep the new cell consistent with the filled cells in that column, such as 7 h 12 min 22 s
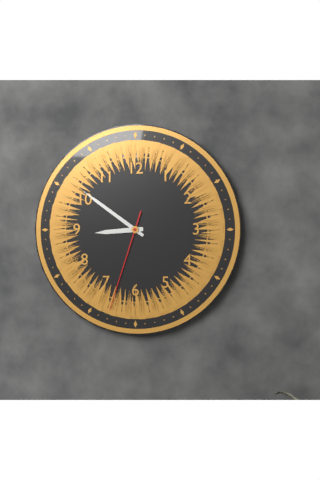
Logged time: 8 h 51 min 33 s
